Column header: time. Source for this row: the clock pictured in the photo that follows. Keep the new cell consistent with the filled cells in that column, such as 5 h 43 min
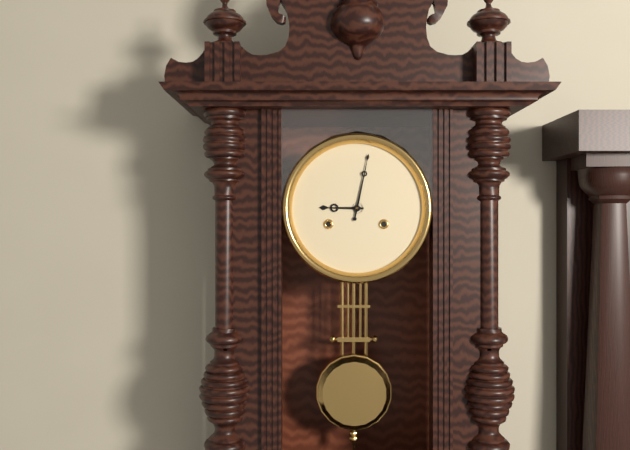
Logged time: 9 h 02 min
